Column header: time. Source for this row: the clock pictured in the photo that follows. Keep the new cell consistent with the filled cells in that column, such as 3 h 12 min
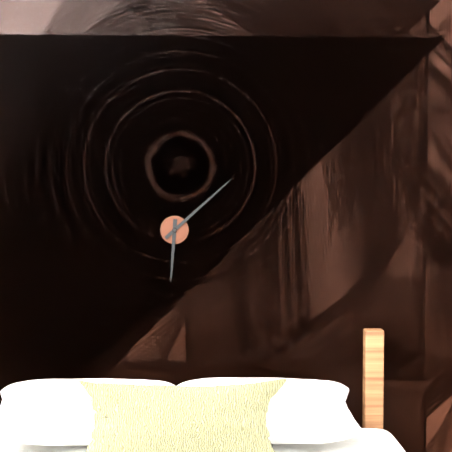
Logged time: 6 h 08 min
